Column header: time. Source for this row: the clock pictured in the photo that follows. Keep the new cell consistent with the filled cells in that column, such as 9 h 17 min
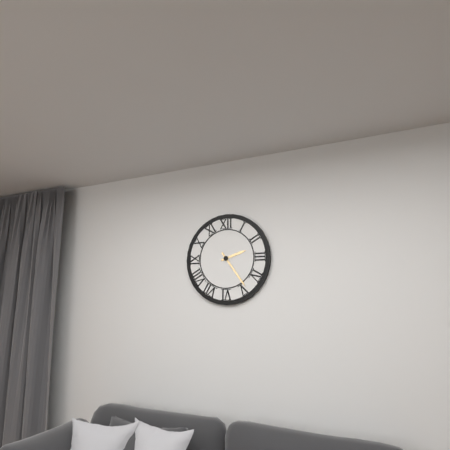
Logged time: 2 h 24 min
